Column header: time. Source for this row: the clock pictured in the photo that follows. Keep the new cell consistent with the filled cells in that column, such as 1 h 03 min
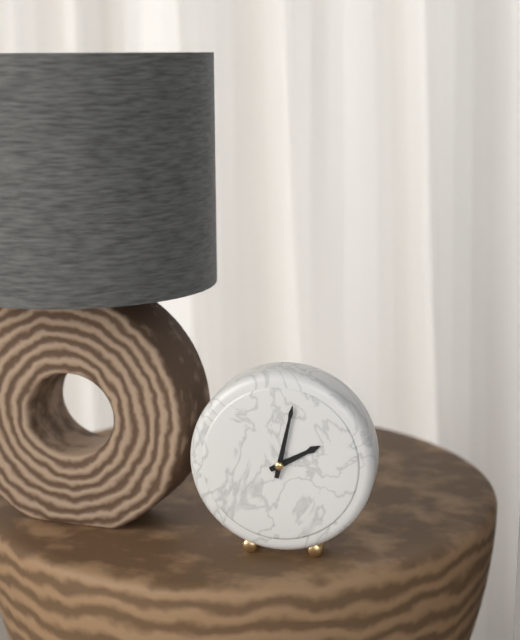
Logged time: 2 h 02 min
